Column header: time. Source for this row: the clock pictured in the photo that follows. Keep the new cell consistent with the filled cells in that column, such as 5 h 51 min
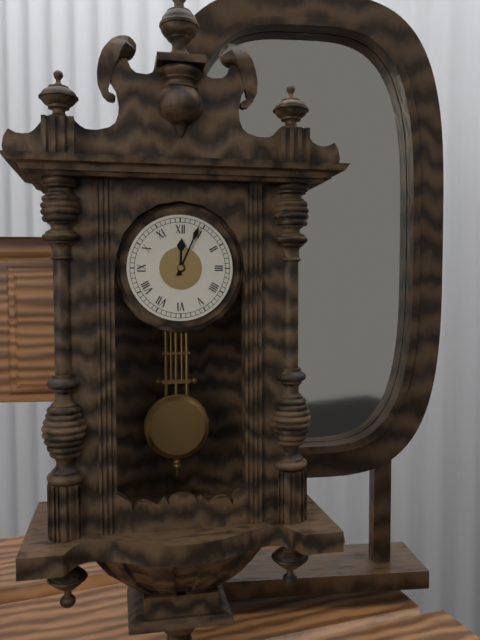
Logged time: 12 h 04 min
